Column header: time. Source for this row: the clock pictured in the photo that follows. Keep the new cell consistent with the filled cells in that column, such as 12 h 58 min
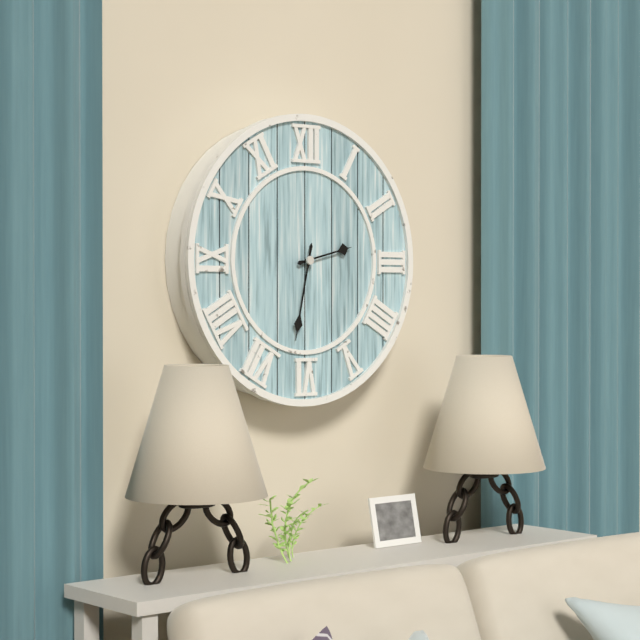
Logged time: 2 h 32 min
